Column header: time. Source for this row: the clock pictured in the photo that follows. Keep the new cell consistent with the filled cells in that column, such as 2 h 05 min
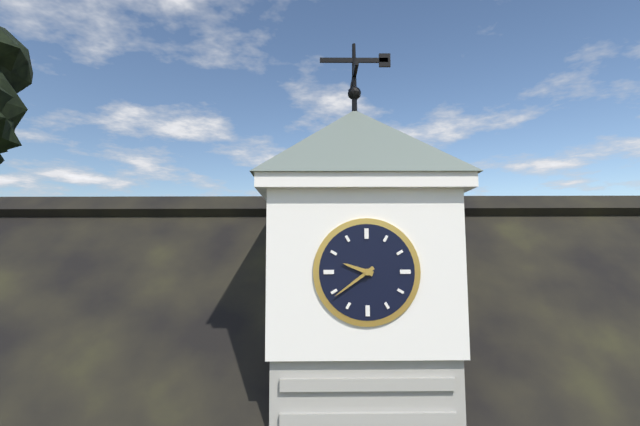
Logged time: 9 h 39 min
